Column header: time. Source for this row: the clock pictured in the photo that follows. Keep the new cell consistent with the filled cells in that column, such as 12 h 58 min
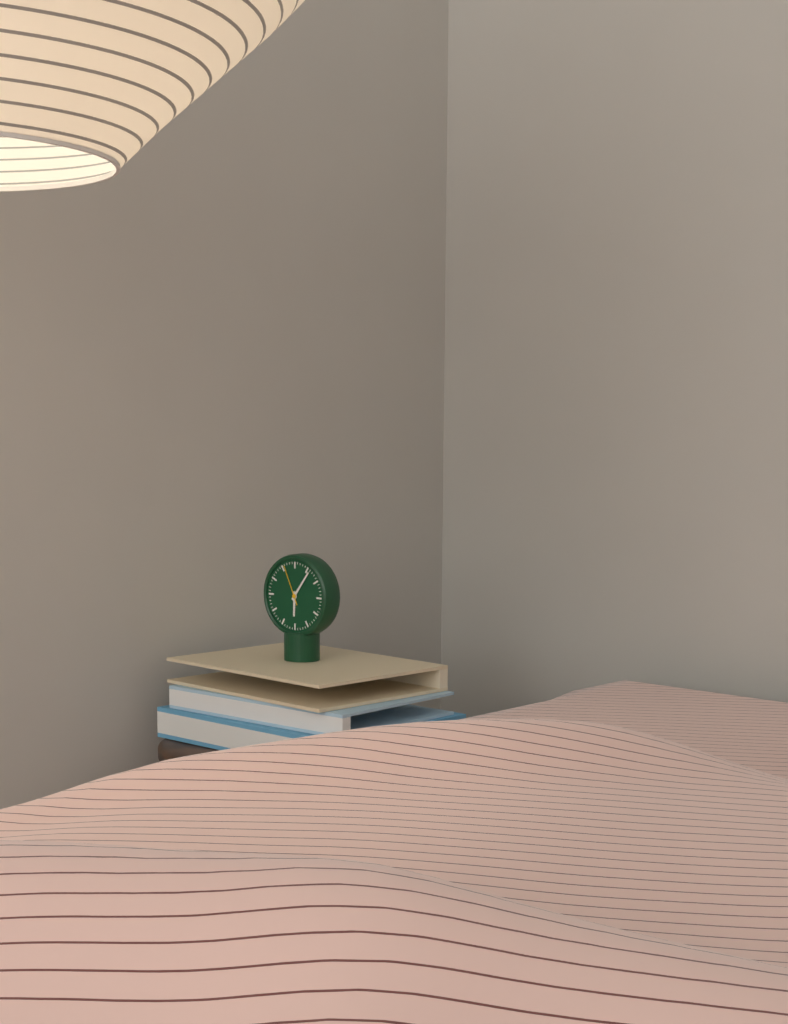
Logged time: 6 h 06 min
